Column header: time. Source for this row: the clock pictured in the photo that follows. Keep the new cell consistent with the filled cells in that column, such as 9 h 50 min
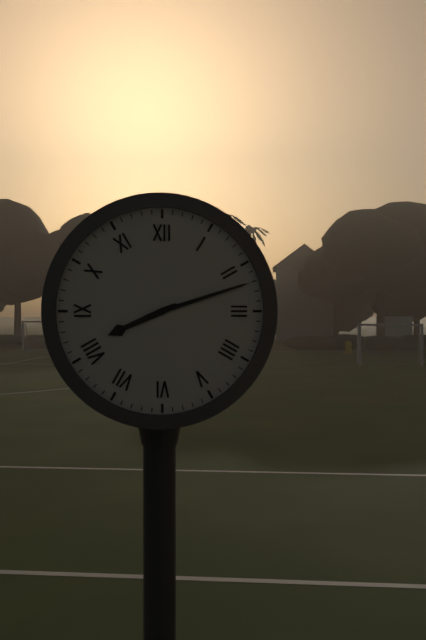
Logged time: 8 h 12 min
